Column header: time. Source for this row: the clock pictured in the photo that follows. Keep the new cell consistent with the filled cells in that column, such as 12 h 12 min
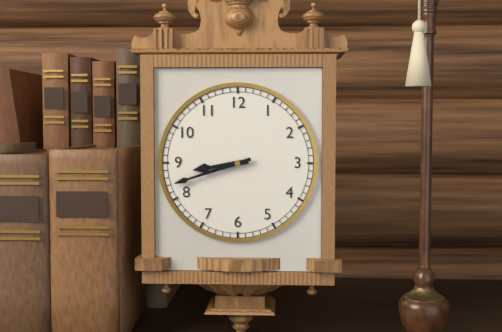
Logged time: 8 h 42 min
